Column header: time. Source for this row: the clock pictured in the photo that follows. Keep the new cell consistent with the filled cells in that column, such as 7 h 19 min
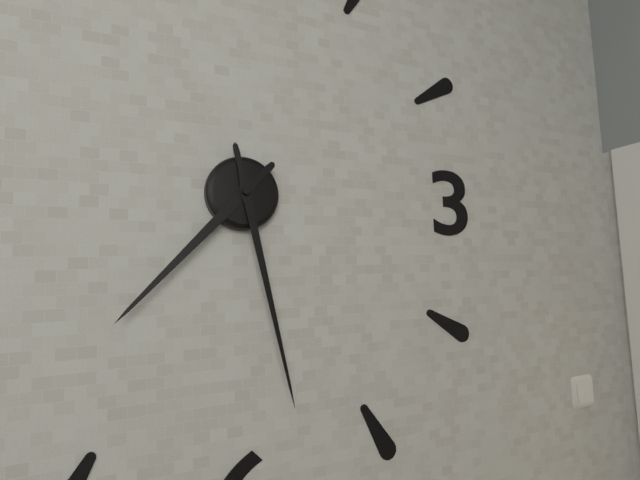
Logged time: 7 h 28 min
